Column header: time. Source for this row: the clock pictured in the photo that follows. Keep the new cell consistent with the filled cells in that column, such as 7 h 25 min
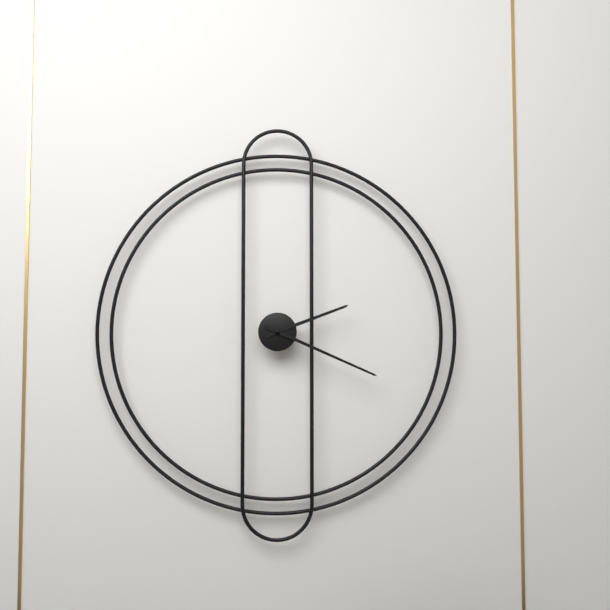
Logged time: 2 h 19 min
